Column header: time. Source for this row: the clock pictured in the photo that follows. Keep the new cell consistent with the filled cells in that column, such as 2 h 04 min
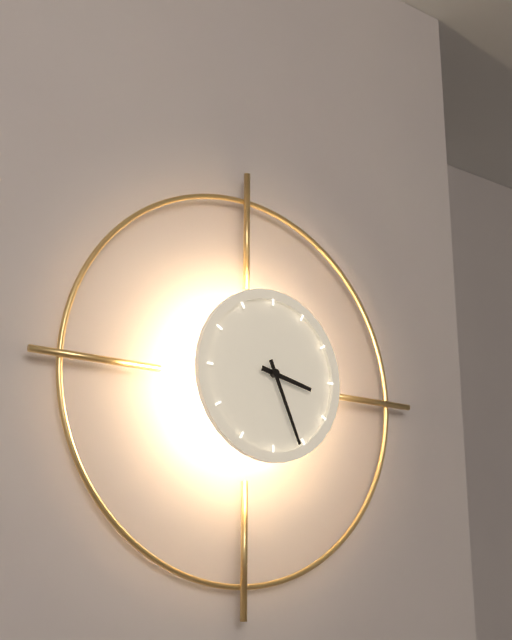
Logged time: 3 h 26 min
